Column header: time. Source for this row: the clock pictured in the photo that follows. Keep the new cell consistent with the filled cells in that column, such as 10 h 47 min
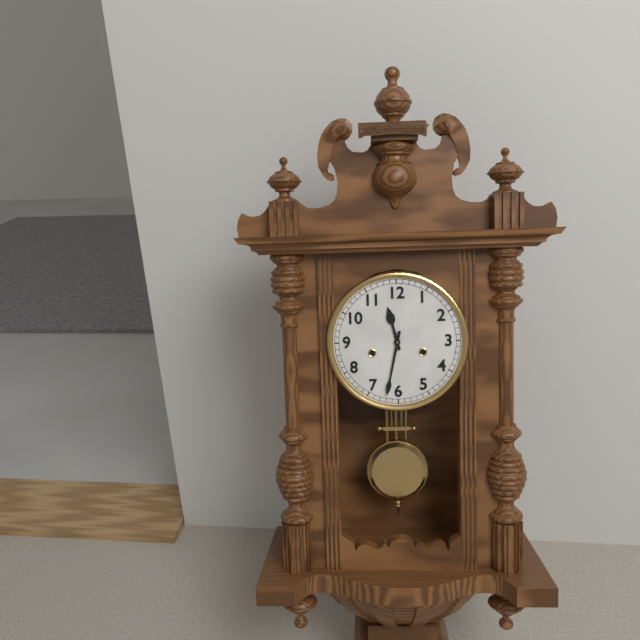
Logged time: 11 h 32 min
